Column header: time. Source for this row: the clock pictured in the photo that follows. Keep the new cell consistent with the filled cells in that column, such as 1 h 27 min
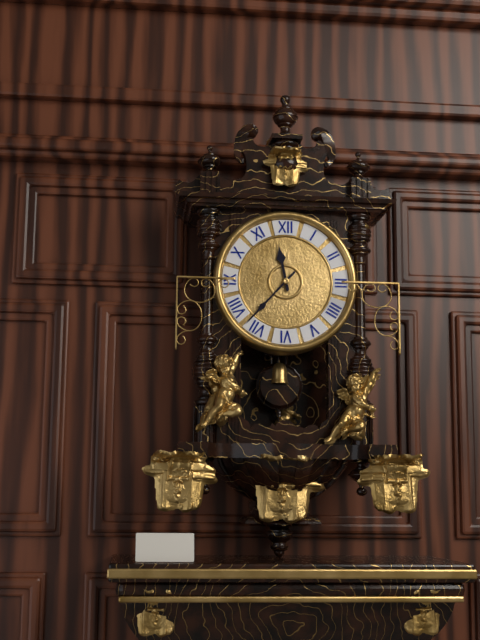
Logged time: 11 h 37 min
